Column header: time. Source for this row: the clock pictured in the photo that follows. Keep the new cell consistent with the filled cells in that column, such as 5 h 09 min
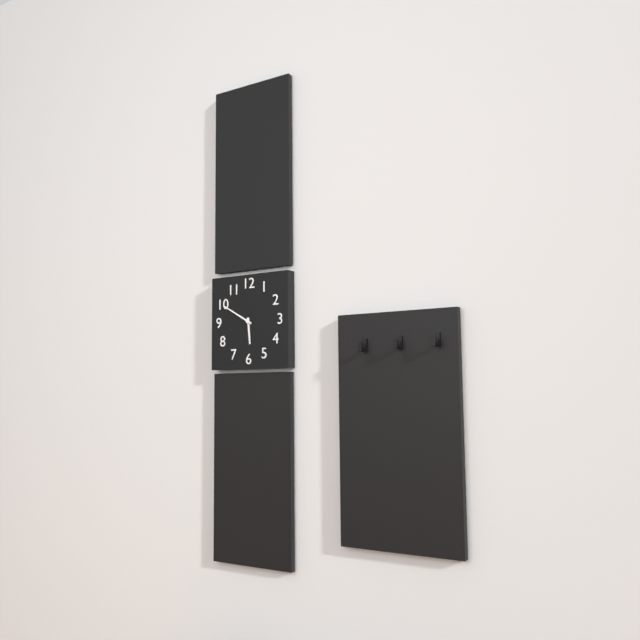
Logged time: 5 h 50 min
